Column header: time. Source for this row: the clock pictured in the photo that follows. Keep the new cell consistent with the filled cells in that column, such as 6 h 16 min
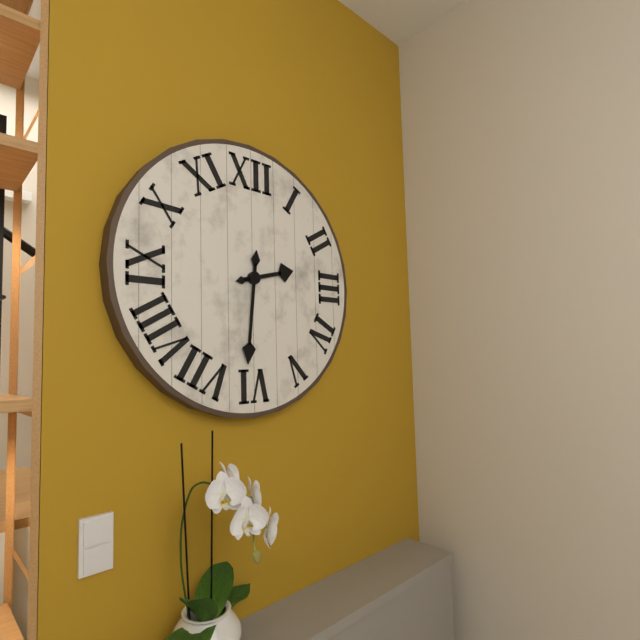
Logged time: 2 h 31 min
